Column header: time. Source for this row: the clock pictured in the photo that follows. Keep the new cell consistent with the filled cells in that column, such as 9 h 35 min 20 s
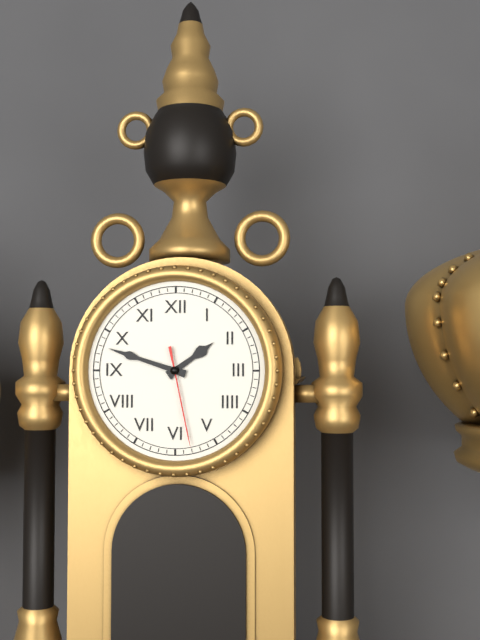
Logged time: 1 h 48 min 28 s
